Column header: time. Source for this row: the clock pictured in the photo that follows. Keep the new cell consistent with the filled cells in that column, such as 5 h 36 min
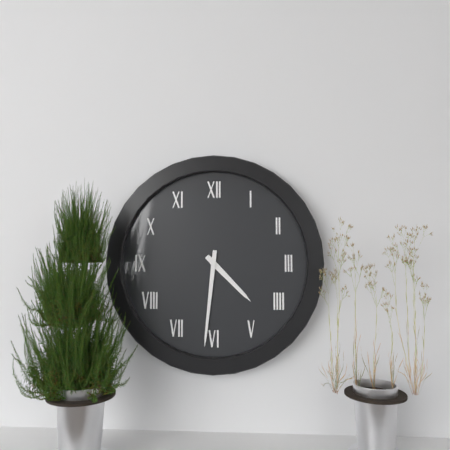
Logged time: 4 h 31 min
